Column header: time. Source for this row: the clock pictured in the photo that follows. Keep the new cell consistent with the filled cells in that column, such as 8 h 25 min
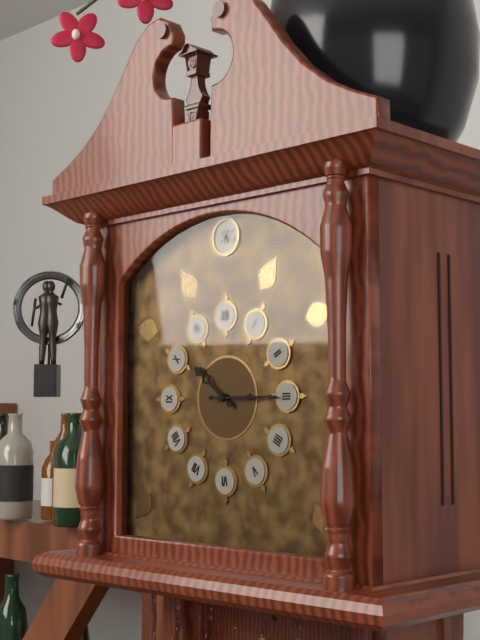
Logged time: 10 h 15 min
